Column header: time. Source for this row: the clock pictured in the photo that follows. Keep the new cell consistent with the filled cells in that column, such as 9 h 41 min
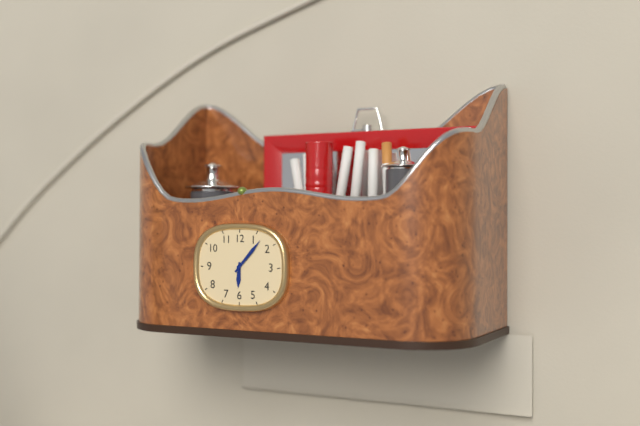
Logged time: 6 h 07 min
